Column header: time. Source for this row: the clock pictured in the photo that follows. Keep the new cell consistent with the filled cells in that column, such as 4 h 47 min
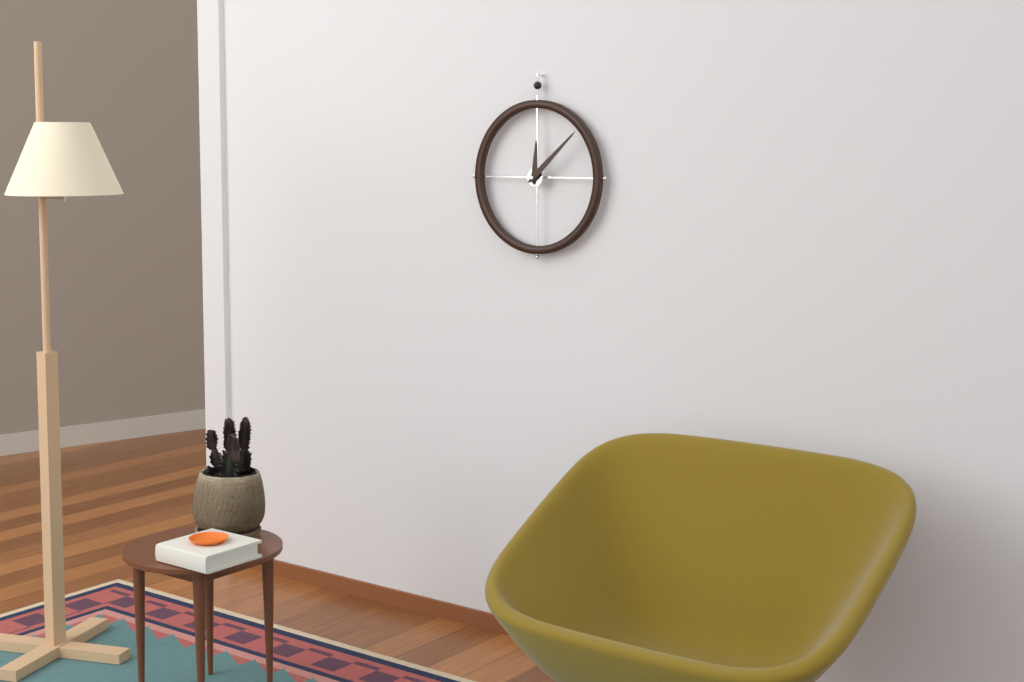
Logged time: 12 h 08 min
